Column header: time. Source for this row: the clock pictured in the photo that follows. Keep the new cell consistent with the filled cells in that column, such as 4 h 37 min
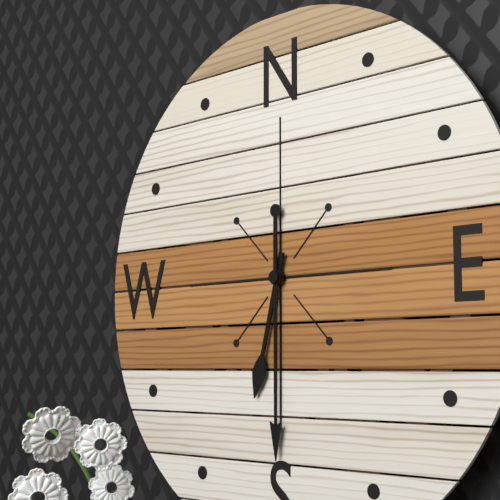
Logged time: 6 h 30 min
